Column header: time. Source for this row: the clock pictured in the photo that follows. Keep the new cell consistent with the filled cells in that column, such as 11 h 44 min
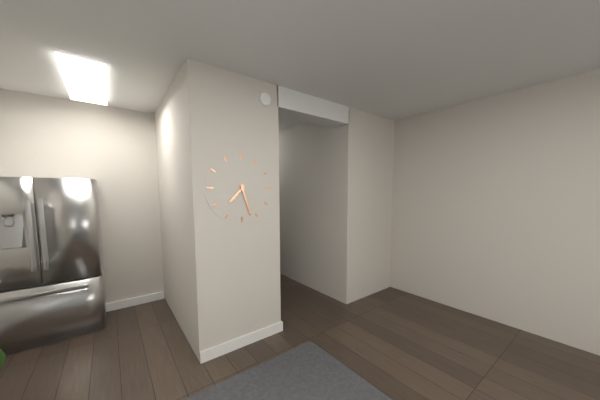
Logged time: 7 h 27 min
